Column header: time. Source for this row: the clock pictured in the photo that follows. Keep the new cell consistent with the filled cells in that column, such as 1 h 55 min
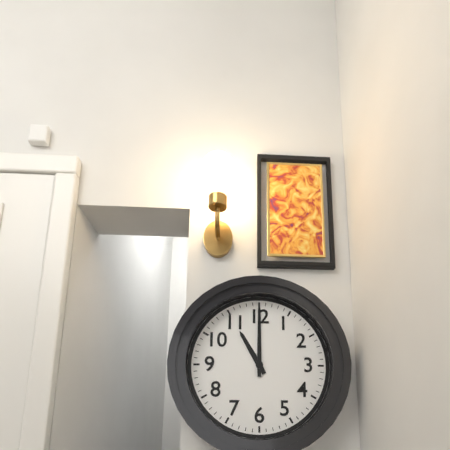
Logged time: 11 h 00 min
